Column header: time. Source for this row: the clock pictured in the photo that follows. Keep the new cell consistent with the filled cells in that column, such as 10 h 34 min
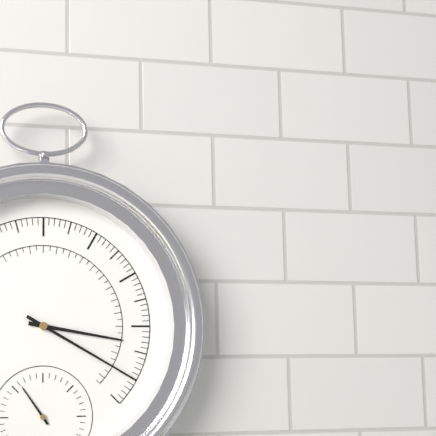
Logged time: 3 h 20 min
